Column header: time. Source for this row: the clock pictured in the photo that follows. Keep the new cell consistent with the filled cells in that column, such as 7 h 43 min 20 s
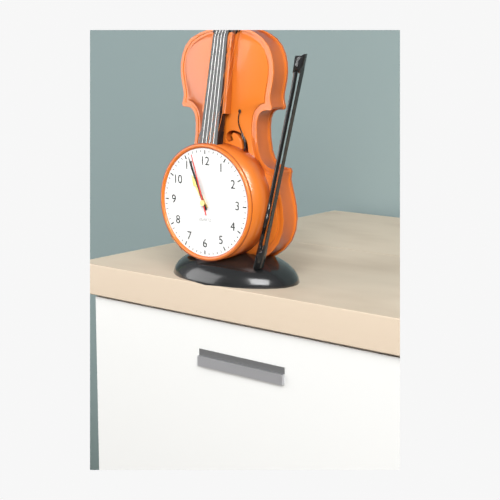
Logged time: 10 h 56 min 57 s
